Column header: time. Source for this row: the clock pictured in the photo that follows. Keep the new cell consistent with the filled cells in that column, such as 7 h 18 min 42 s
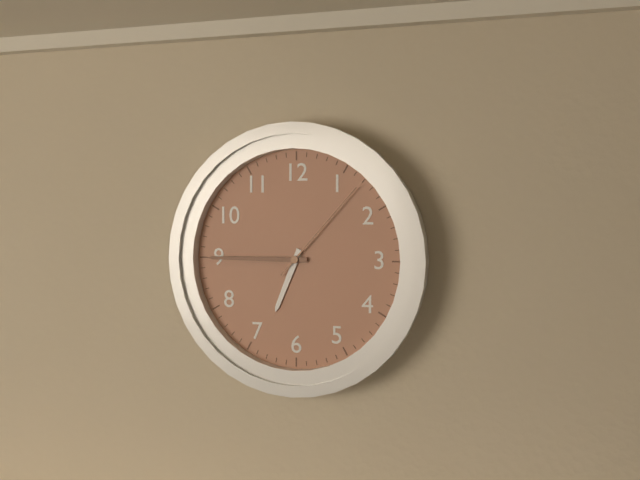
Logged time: 6 h 45 min 07 s
